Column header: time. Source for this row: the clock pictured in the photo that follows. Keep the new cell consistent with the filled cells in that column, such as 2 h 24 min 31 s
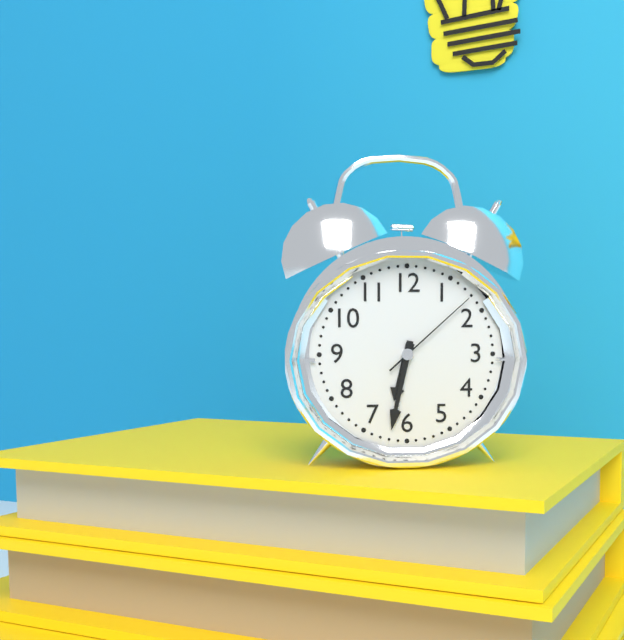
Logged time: 6 h 32 min 08 s
